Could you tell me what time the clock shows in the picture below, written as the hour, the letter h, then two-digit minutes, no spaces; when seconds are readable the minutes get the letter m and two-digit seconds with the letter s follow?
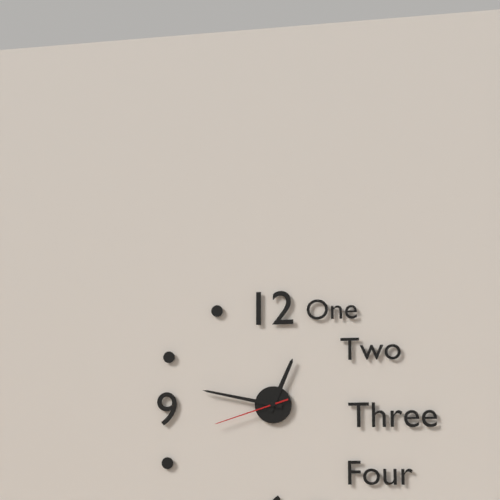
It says 12h47m42s
